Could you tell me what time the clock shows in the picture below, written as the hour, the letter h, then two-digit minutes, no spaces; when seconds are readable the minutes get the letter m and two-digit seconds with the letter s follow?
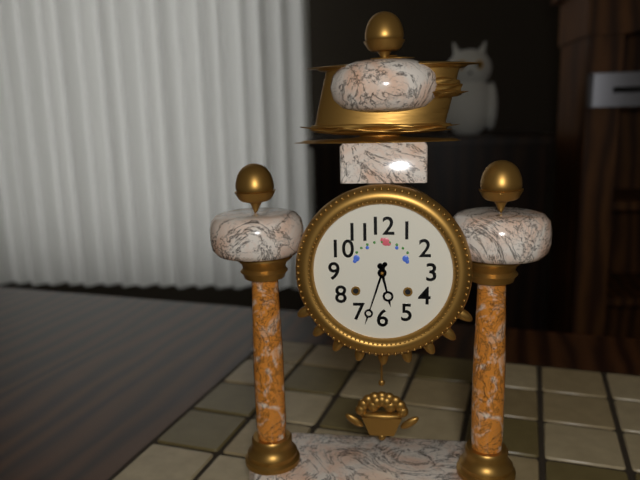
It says 5h33
